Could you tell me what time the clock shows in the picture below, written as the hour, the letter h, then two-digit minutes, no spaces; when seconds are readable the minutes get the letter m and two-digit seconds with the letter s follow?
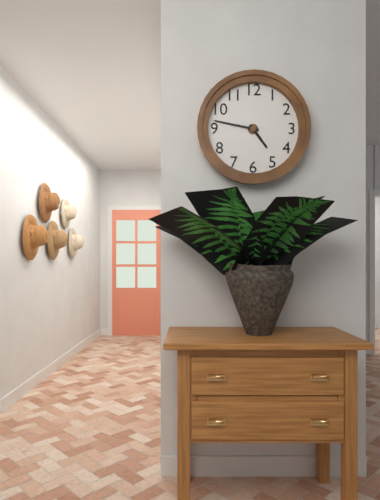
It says 4h47
